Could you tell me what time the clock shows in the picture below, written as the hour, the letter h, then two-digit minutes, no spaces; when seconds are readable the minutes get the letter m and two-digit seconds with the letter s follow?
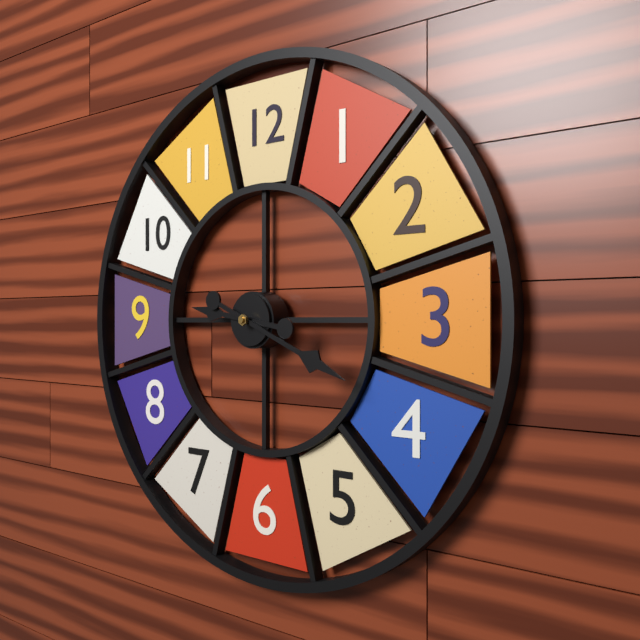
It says 9h19
